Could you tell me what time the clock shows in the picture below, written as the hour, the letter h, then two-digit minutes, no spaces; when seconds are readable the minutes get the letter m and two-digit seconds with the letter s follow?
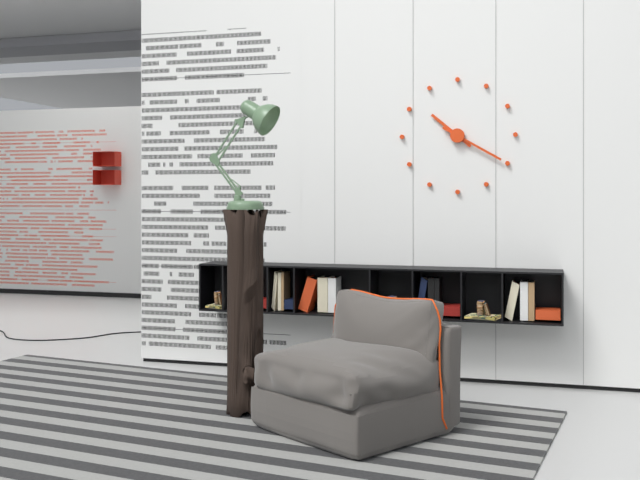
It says 10h20
